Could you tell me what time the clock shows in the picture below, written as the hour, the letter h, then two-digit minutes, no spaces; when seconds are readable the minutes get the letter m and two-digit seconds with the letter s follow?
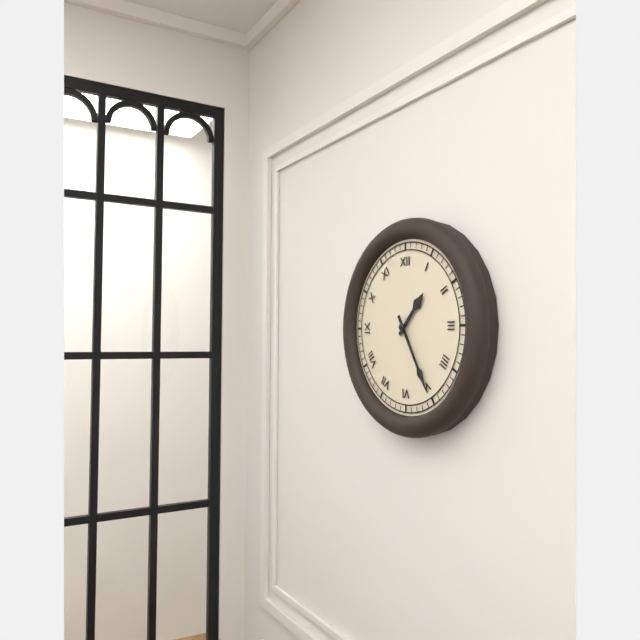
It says 1h25
